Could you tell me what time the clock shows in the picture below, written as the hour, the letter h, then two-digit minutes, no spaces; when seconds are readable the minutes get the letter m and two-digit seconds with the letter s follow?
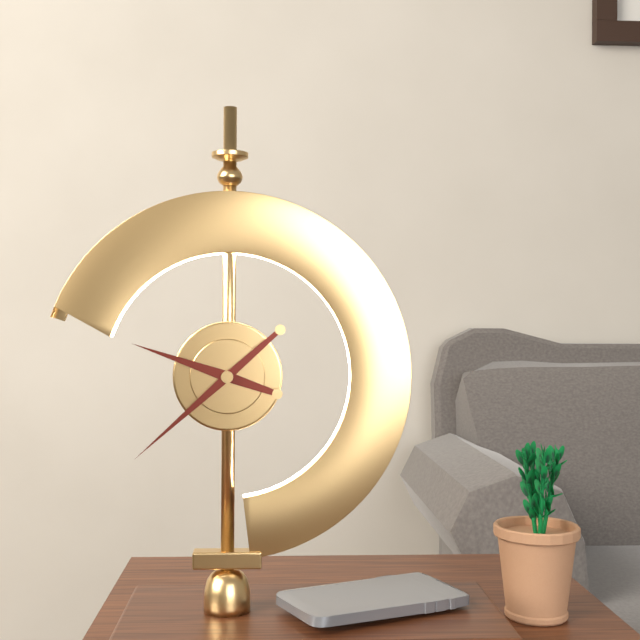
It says 9h38
